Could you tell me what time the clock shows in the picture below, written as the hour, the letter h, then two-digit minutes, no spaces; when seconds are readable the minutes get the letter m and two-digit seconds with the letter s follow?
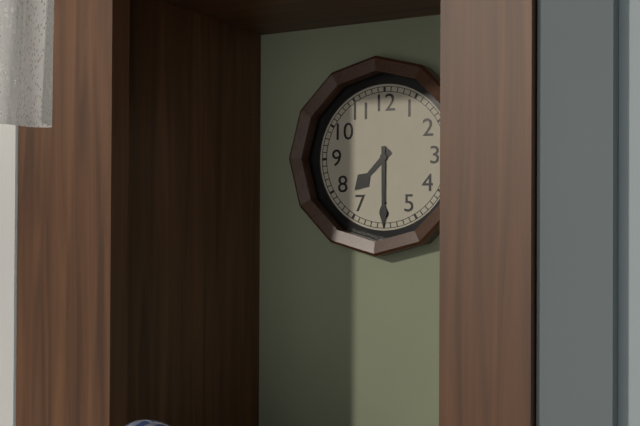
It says 7h30
